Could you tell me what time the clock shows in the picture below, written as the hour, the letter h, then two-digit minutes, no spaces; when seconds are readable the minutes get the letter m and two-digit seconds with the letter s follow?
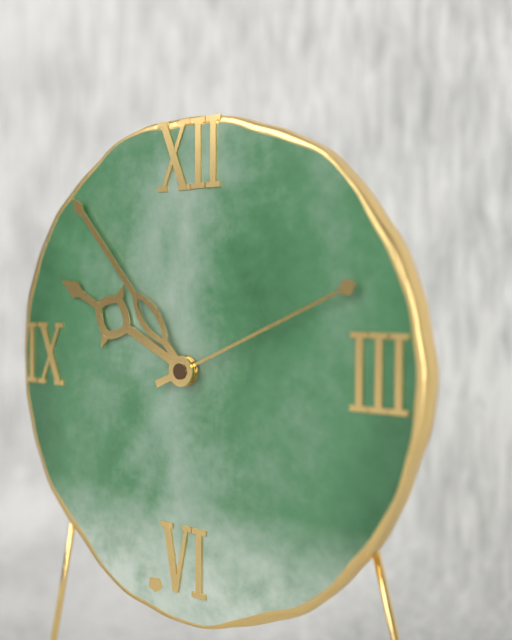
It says 9h53m11s
